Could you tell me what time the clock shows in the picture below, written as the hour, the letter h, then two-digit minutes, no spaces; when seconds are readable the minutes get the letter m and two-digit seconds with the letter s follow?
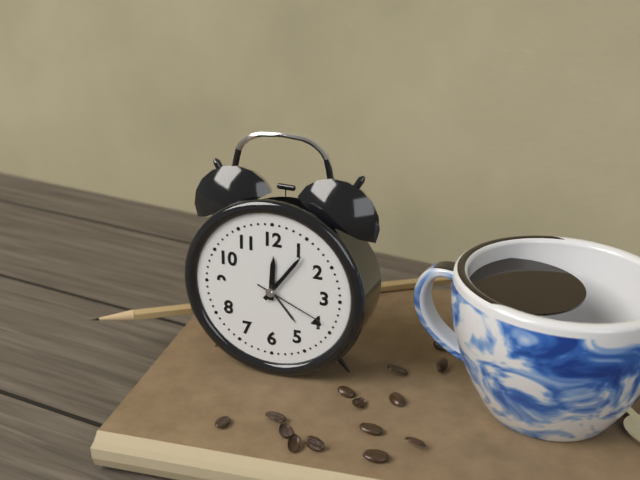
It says 12h06m19s
